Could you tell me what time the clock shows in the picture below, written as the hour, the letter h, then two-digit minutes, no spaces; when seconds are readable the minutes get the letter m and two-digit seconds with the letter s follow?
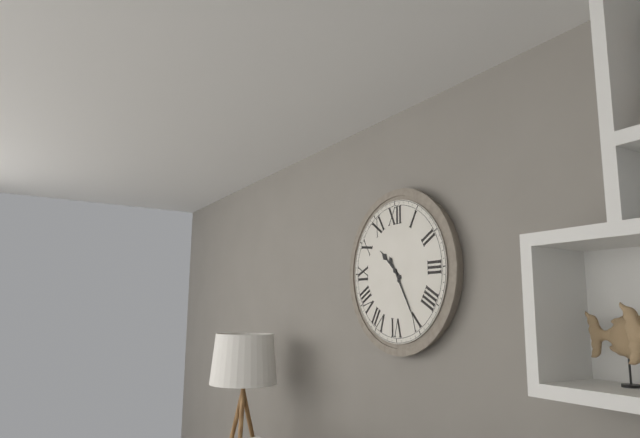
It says 10h25
